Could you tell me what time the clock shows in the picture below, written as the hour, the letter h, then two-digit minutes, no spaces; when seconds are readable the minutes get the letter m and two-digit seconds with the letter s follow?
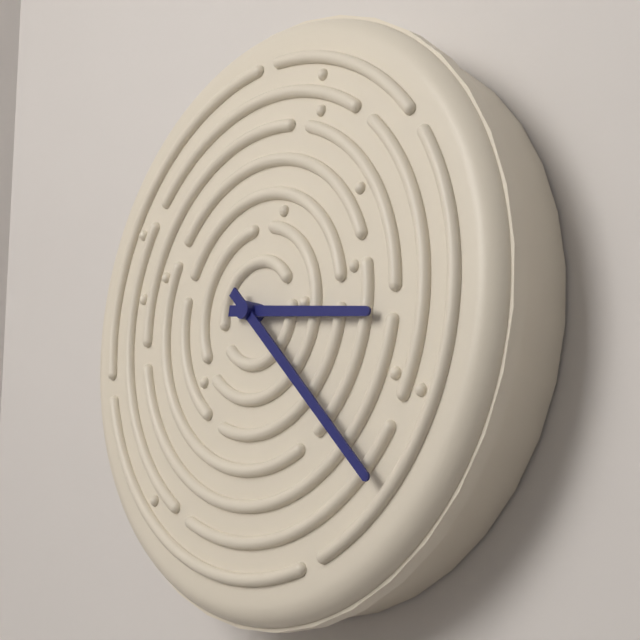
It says 3h23
